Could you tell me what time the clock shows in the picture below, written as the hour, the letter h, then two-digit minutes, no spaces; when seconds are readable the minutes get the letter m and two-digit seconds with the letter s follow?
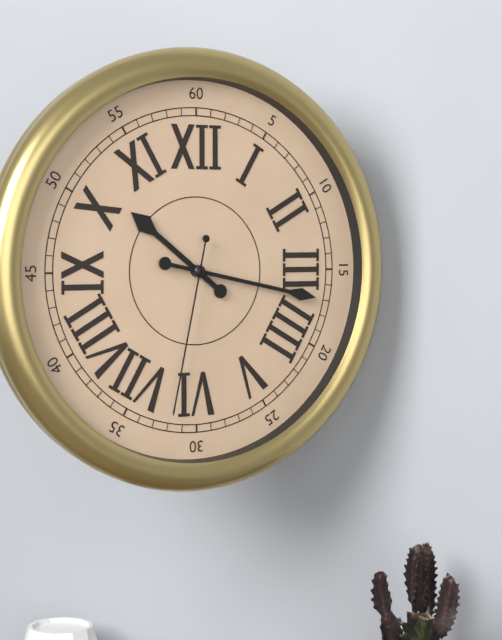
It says 10h17m32s
